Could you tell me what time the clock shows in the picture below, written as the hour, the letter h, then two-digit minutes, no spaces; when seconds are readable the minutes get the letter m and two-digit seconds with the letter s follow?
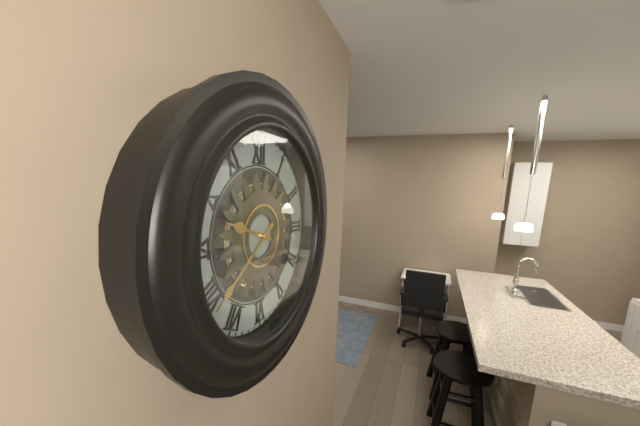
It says 9h39
